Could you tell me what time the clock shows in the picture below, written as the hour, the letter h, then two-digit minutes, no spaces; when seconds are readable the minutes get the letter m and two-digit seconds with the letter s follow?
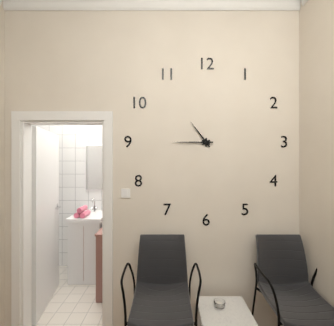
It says 10h45
